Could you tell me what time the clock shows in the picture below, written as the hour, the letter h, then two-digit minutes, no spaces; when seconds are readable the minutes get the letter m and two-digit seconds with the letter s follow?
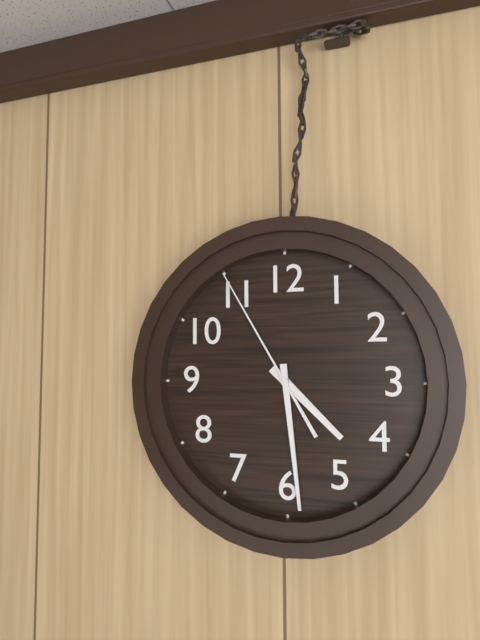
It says 4h29m55s
